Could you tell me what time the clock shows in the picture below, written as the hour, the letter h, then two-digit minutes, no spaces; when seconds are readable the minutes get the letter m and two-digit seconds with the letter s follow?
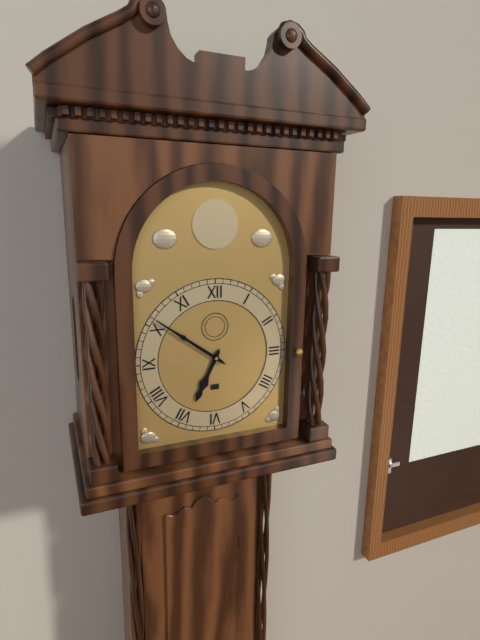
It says 6h51
